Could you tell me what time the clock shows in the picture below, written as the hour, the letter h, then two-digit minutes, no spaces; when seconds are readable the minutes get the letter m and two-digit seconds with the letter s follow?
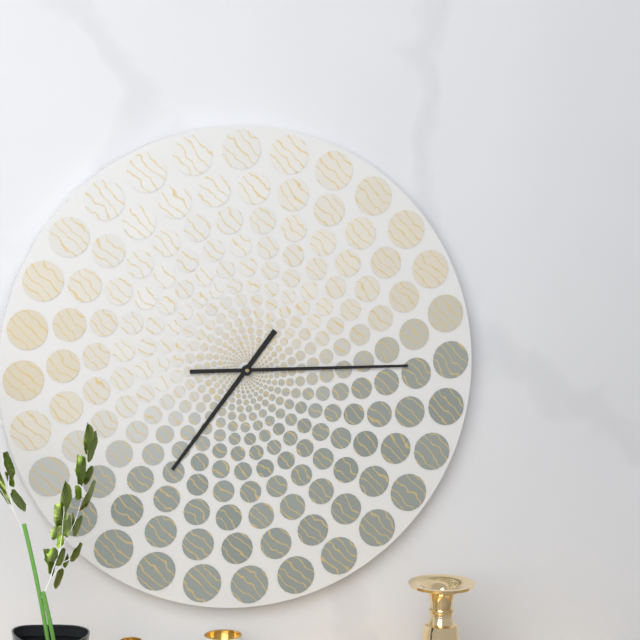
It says 7h15
